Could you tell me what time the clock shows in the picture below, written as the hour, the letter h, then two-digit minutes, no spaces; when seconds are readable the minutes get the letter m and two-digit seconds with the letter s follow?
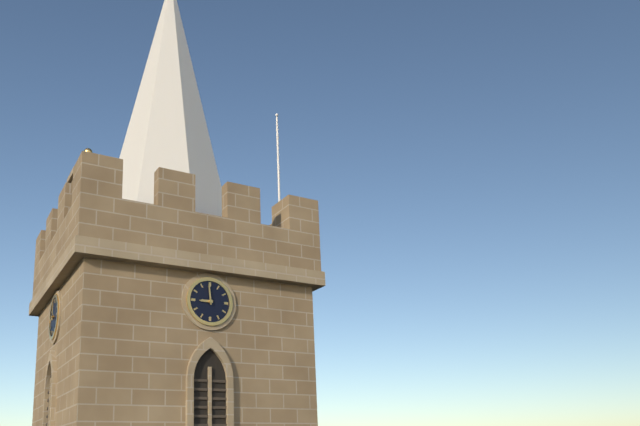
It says 8h59
